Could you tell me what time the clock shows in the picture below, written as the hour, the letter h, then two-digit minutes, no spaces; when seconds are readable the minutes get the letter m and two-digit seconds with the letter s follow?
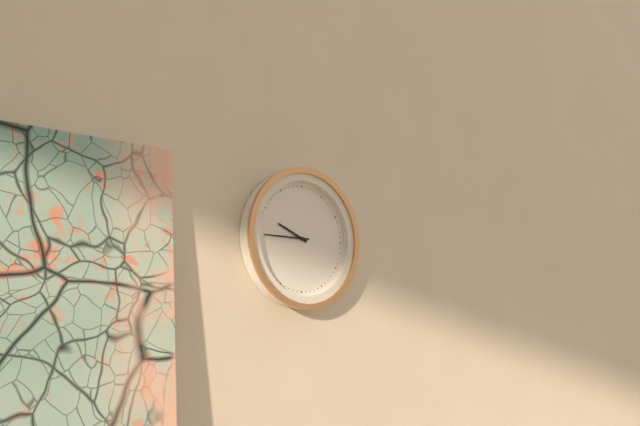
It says 9h45
